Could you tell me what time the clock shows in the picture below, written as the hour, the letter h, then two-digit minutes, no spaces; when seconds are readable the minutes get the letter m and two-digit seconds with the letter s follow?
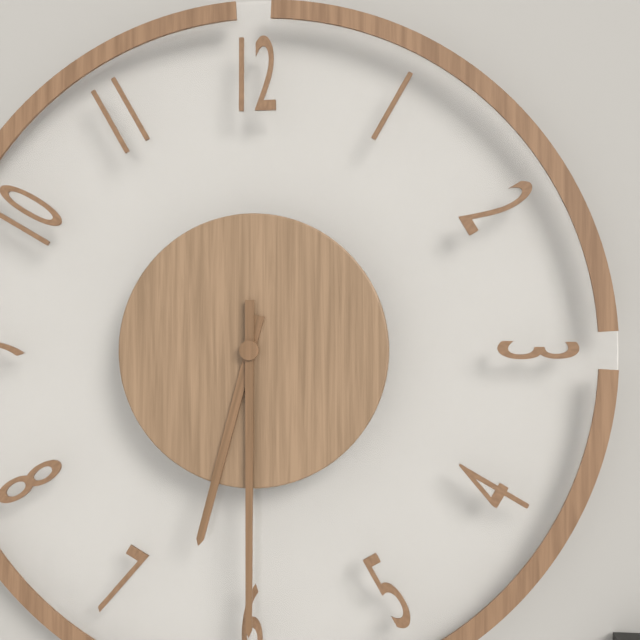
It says 6h30
